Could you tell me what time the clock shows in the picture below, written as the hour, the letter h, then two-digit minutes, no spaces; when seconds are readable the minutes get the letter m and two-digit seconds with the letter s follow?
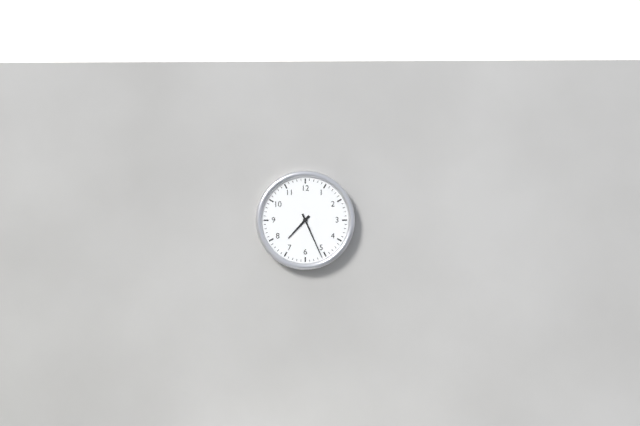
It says 7h26
